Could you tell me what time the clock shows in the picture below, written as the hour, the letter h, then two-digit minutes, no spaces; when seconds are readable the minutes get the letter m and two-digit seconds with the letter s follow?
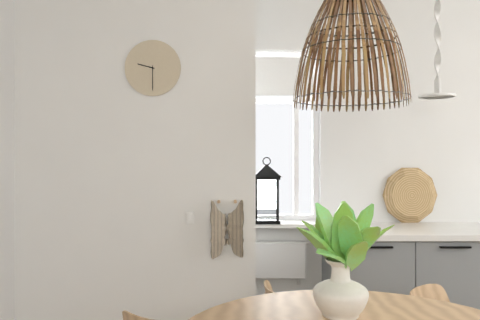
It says 9h30
